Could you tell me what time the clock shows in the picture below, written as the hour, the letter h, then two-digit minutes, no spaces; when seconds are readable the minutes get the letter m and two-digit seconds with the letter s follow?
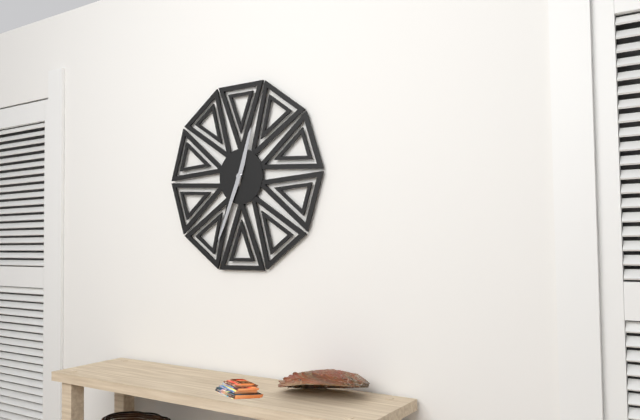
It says 12h34
